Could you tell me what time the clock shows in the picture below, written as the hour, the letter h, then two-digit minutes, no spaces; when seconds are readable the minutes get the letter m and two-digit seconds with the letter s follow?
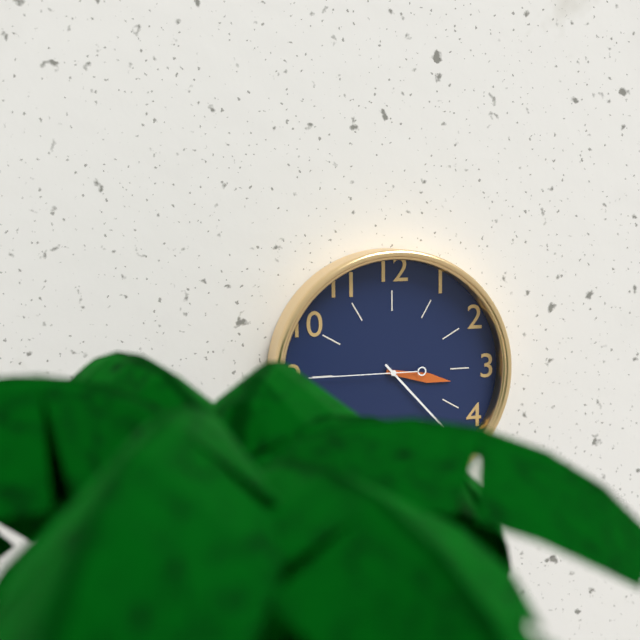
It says 3h23m45s
